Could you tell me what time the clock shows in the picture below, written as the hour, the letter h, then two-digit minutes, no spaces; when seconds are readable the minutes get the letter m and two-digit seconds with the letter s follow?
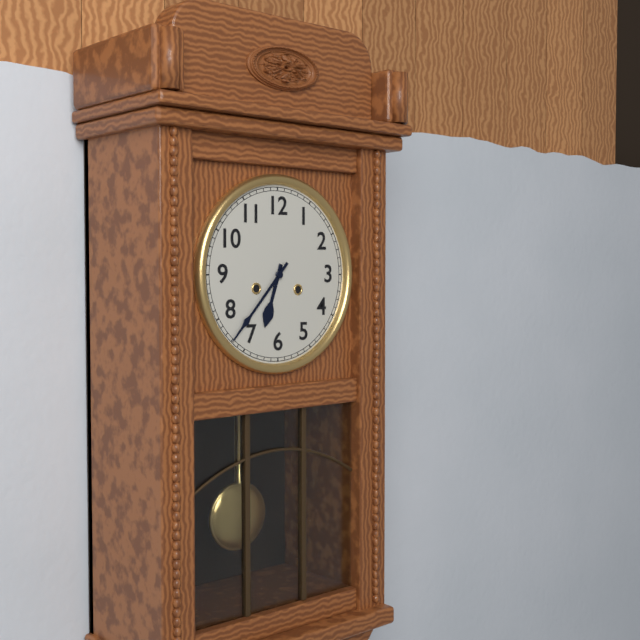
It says 6h37
